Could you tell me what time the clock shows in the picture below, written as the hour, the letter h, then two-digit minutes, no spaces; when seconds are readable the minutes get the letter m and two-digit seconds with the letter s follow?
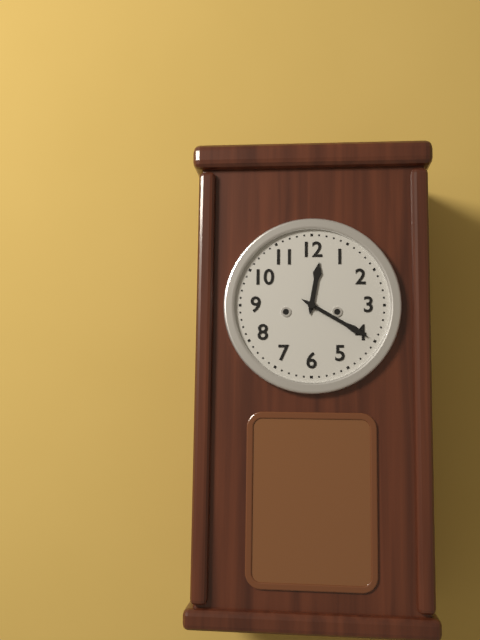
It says 12h20
